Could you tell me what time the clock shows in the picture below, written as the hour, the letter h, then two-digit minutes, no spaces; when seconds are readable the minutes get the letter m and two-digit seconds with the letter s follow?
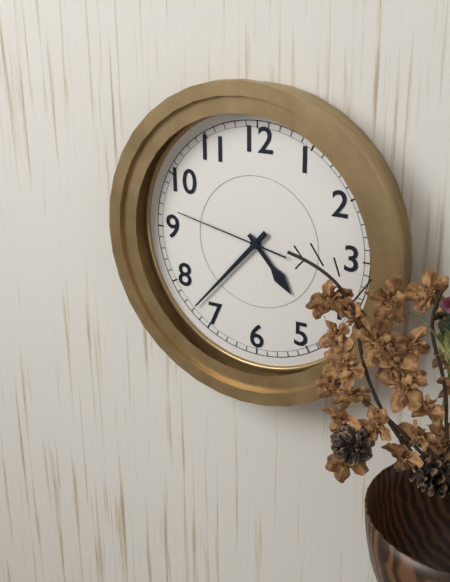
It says 4h37m47s
